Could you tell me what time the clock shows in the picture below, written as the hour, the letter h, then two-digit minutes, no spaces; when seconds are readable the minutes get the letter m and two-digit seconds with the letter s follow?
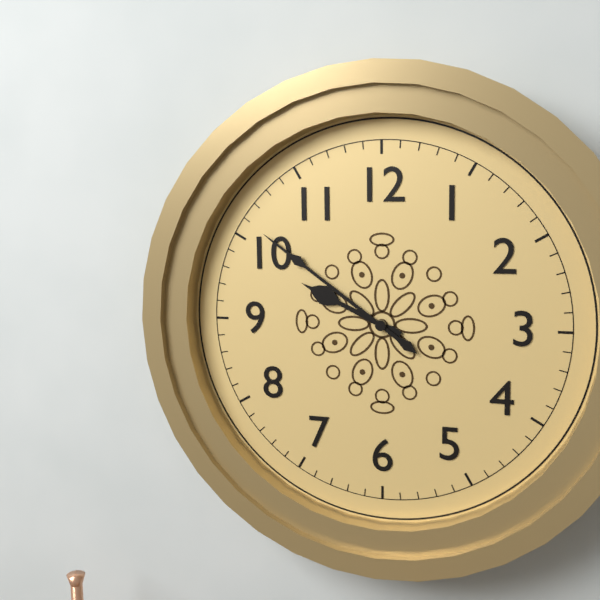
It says 9h51
